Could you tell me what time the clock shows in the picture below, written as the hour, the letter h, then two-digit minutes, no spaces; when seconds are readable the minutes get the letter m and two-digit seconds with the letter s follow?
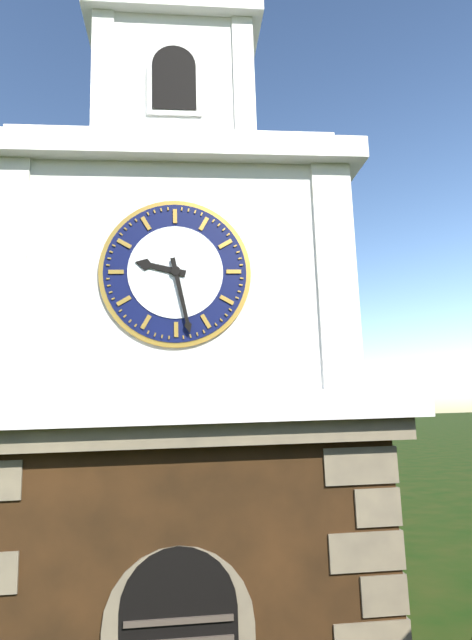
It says 9h28
